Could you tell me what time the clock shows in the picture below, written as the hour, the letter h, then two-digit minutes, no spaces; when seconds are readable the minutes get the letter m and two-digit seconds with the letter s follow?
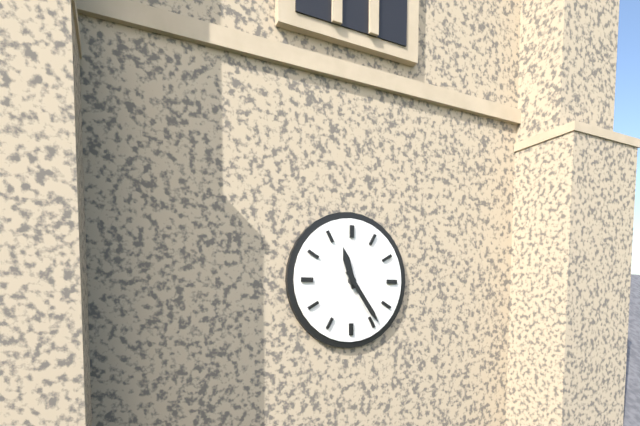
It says 11h24
